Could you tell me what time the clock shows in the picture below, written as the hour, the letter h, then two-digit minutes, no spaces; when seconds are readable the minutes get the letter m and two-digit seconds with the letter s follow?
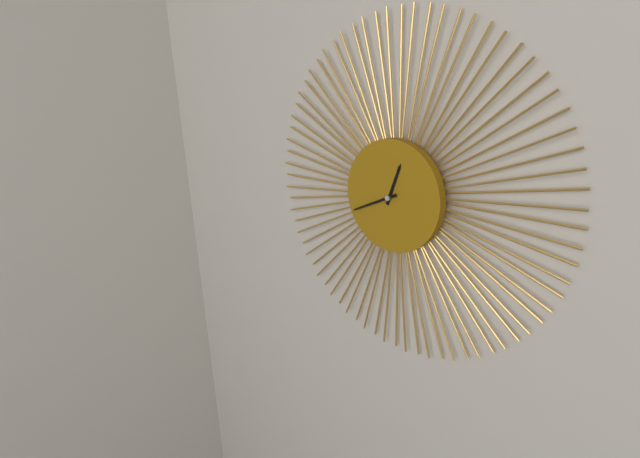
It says 12h41
